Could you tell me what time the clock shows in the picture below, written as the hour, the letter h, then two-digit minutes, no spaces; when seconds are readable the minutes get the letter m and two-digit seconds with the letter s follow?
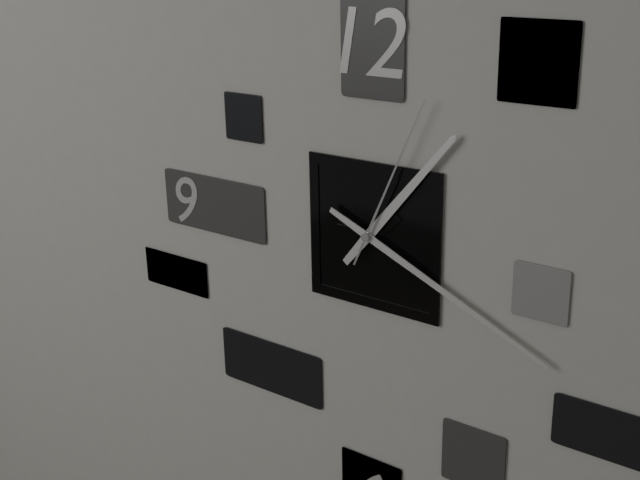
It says 1h19m04s
